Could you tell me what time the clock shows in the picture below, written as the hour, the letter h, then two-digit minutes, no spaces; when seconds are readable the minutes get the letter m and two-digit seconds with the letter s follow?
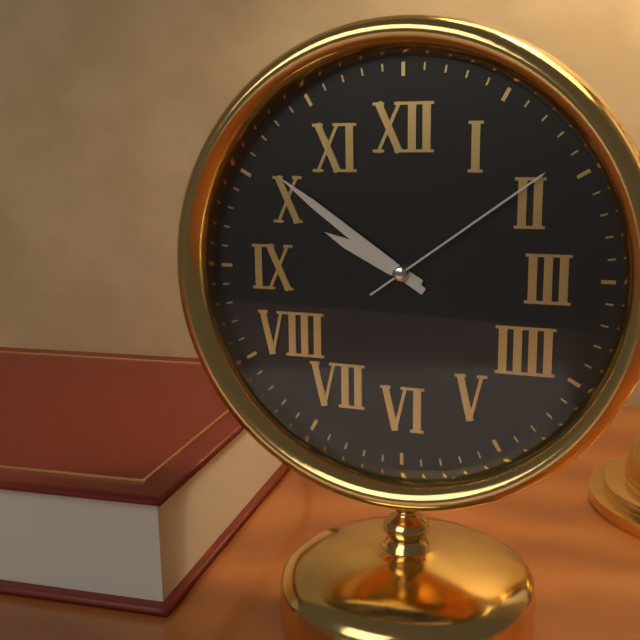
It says 9h51m09s
